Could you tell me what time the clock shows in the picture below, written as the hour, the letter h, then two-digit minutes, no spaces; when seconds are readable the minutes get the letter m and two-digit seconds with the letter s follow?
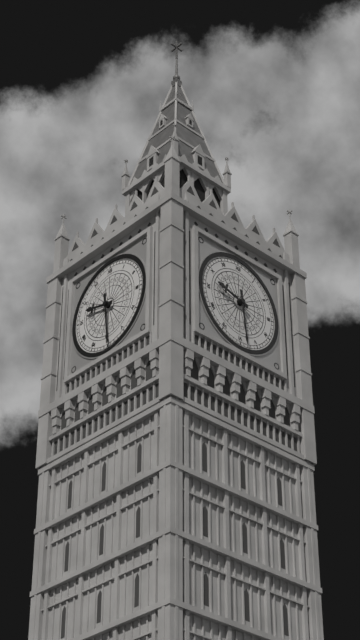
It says 9h29
